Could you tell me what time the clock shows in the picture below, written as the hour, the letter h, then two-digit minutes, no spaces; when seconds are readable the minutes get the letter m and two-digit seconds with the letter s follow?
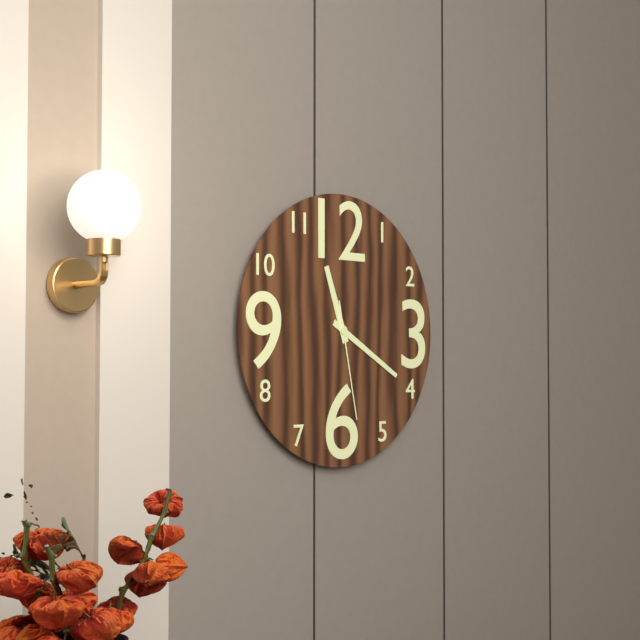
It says 11h20m28s
